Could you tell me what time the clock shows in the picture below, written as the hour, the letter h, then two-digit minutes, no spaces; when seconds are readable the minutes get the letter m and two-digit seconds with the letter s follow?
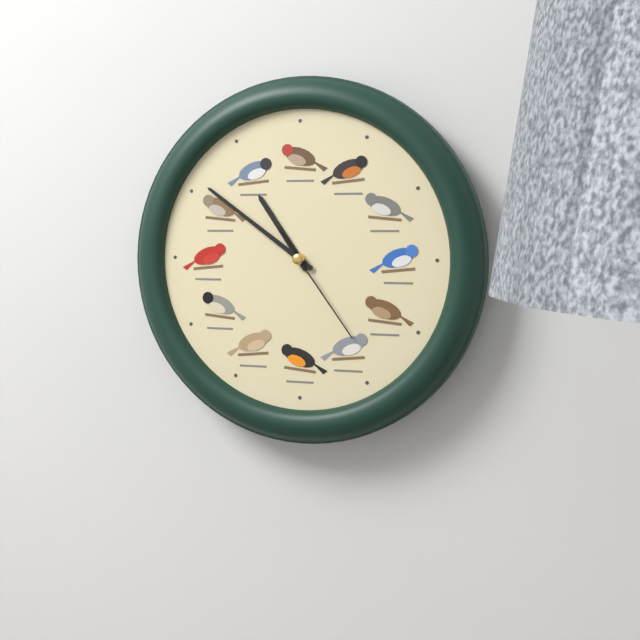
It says 10h51m24s
